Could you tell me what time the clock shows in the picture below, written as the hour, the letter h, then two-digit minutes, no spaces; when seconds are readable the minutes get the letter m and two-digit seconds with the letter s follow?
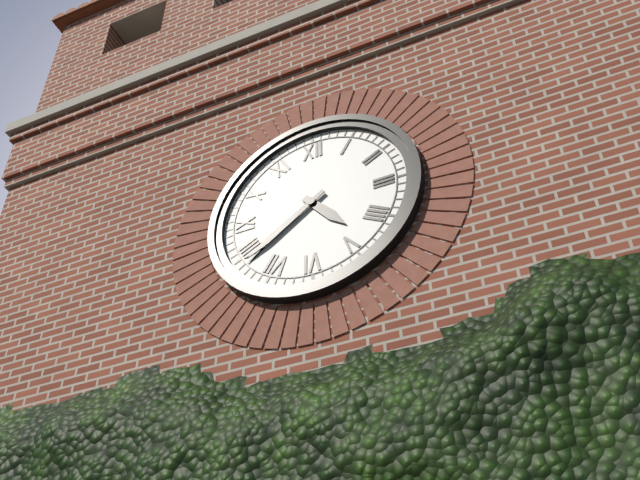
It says 4h39
